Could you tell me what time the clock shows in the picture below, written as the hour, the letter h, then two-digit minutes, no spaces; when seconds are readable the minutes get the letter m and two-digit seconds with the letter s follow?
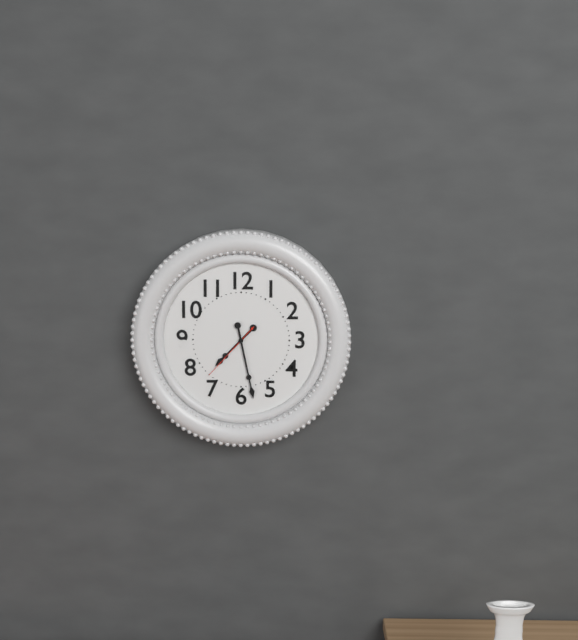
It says 7h28m37s
